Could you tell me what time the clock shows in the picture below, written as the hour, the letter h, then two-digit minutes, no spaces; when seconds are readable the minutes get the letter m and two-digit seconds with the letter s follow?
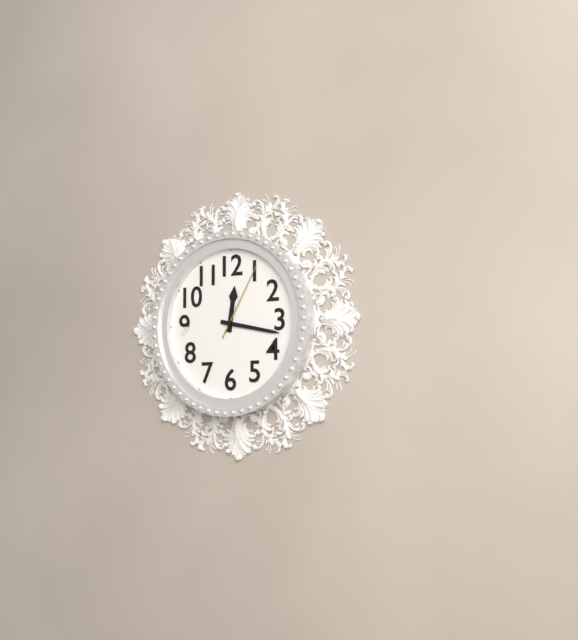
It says 12h17m05s
